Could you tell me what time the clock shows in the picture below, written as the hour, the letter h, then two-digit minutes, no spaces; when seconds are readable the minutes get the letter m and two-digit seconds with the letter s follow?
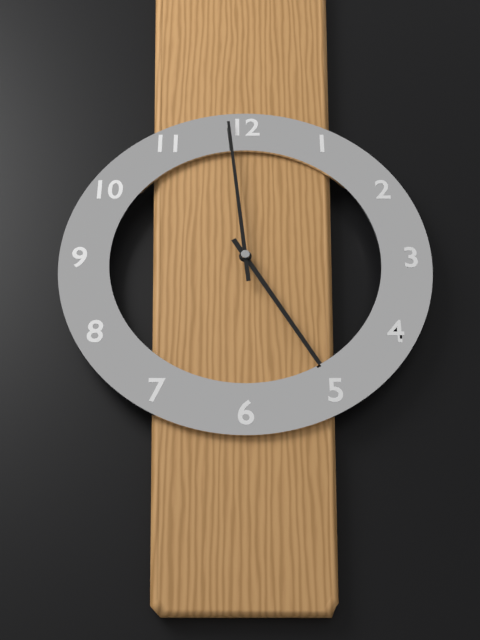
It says 4h59
